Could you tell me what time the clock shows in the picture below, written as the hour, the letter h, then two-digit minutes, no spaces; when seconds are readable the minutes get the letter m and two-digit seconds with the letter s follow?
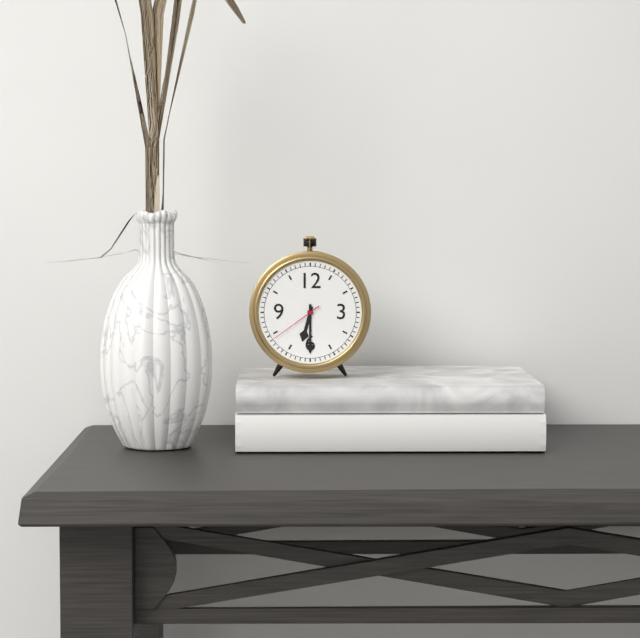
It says 6h30m39s
